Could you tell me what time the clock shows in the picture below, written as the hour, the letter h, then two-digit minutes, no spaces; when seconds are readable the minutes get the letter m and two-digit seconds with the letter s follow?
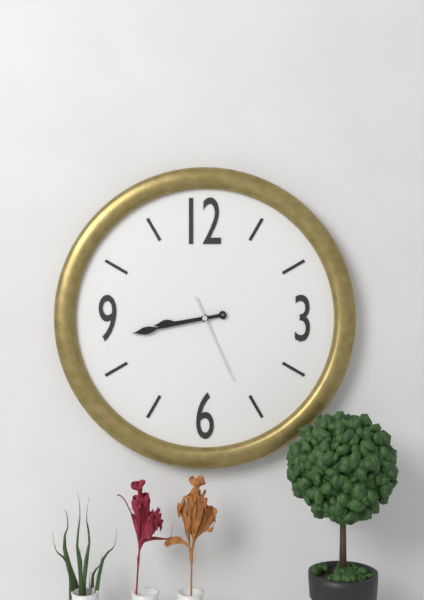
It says 8h43m26s
